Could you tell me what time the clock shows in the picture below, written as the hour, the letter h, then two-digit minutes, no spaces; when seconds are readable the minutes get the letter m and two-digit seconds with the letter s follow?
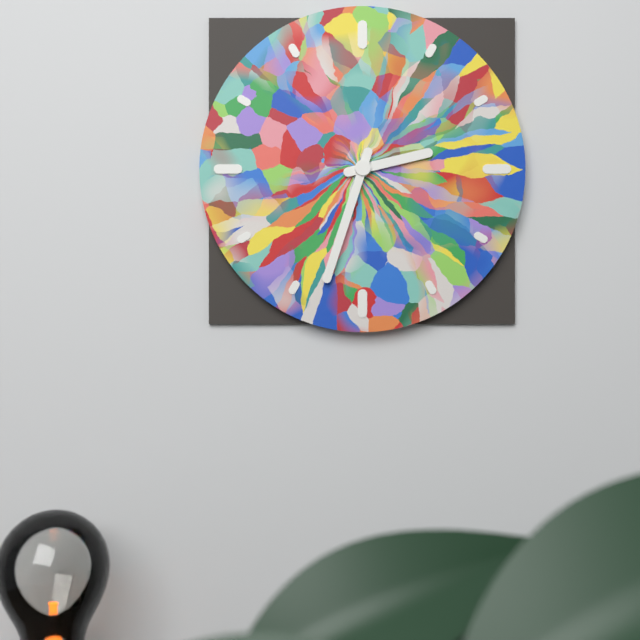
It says 2h33
